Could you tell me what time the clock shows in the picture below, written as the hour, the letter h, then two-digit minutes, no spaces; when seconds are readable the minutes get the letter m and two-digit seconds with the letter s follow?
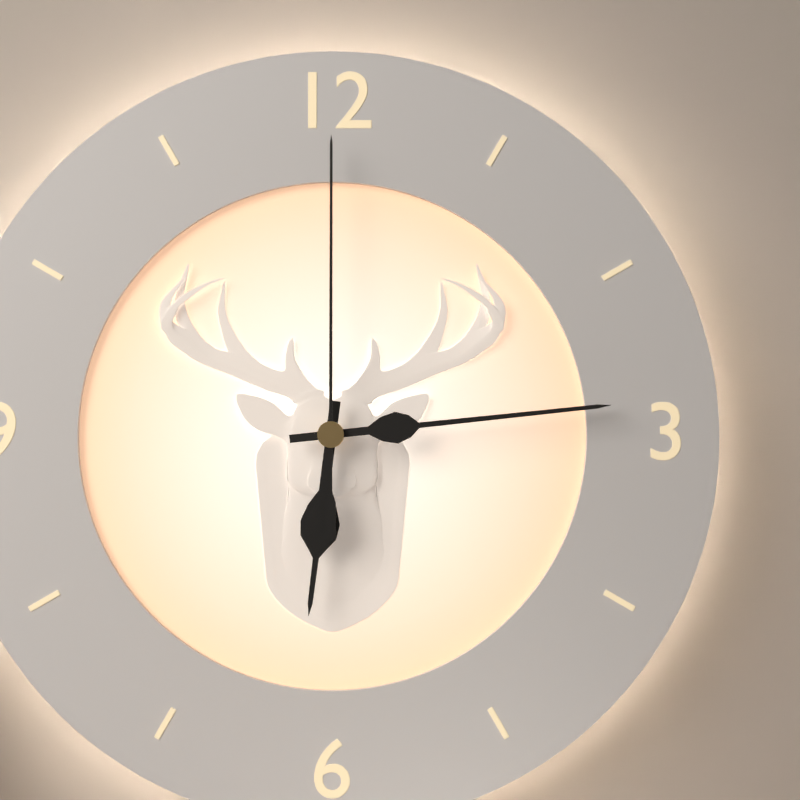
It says 6h14m00s
